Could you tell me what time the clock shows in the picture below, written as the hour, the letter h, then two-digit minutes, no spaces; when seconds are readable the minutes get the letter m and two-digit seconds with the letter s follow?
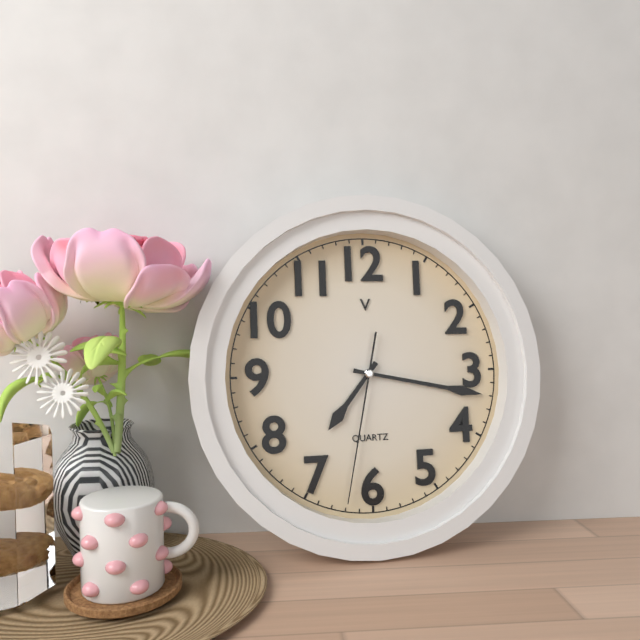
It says 7h17m32s
